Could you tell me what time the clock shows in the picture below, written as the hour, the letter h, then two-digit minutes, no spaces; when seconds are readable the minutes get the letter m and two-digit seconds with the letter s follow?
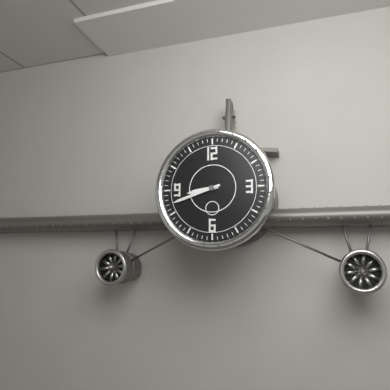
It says 8h42
